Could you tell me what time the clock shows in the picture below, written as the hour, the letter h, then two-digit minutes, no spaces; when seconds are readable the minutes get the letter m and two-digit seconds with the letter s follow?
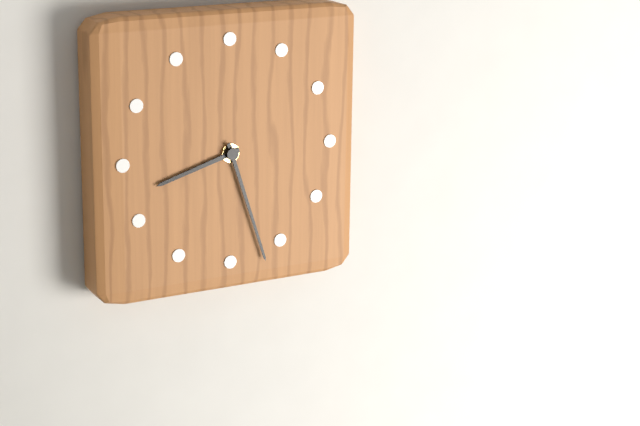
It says 8h27
